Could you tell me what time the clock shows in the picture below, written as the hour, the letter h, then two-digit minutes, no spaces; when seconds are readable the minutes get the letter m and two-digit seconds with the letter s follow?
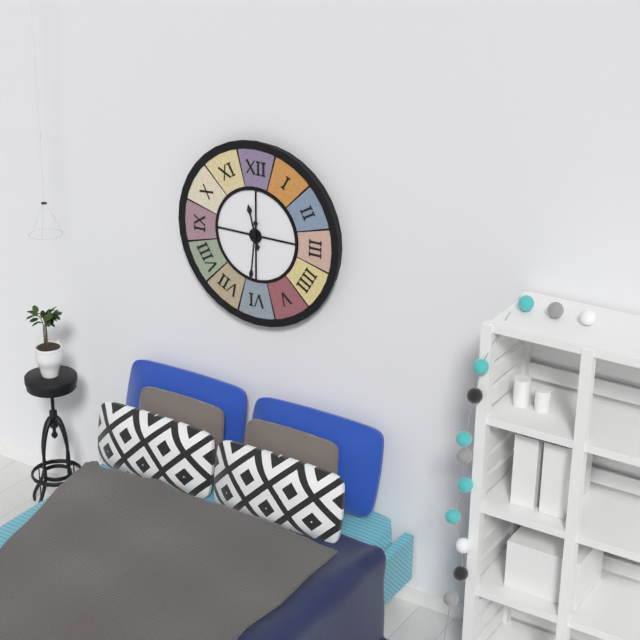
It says 11h31
